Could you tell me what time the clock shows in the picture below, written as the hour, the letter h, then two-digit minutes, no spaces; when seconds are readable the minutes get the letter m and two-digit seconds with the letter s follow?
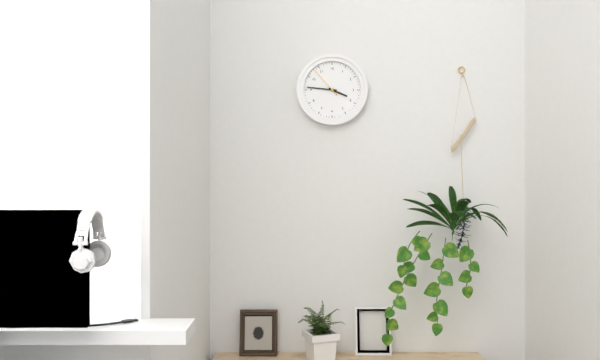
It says 3h46
